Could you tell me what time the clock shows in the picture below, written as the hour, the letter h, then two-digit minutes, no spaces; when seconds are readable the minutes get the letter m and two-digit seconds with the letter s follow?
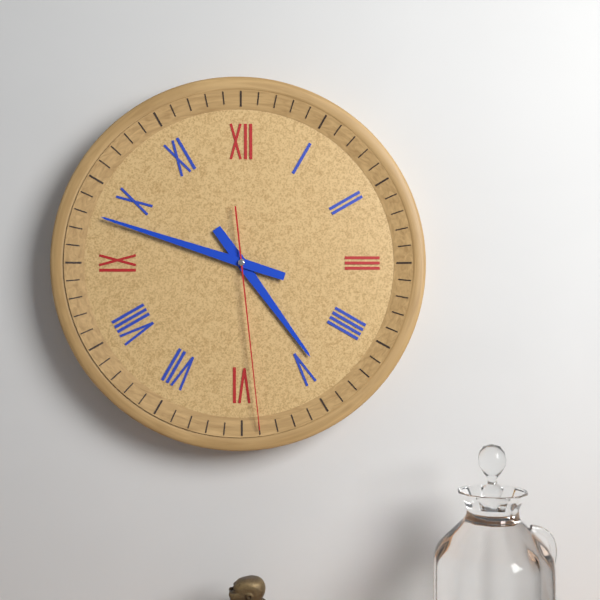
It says 4h48m29s
